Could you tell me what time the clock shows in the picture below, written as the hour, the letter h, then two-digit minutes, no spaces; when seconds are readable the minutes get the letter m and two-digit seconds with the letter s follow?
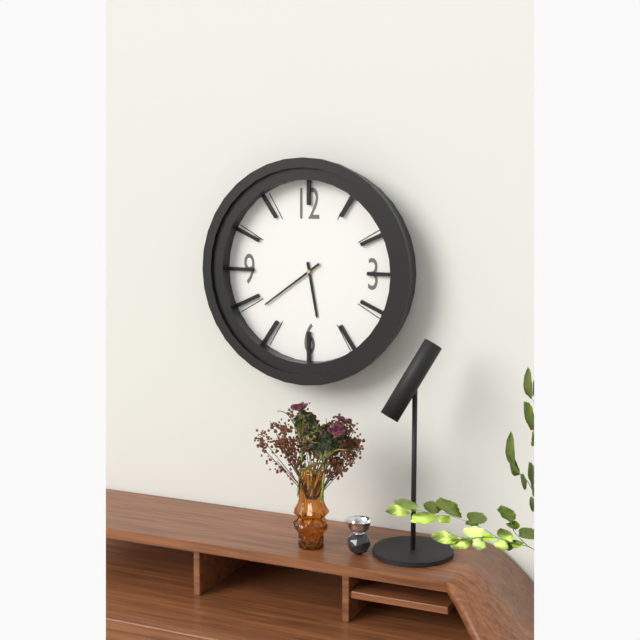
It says 5h39
